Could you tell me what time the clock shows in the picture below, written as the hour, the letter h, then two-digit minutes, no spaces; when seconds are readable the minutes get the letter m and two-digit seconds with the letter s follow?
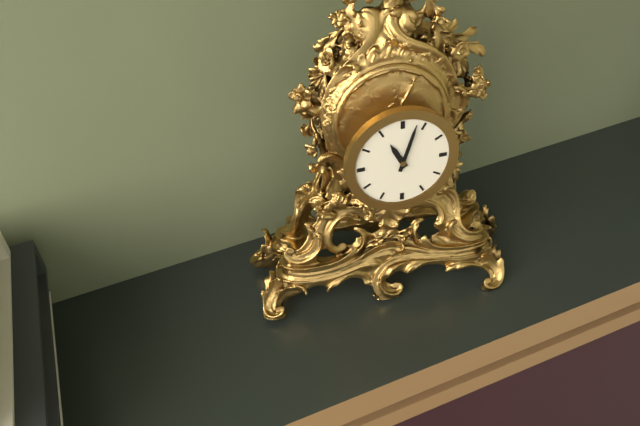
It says 11h03
